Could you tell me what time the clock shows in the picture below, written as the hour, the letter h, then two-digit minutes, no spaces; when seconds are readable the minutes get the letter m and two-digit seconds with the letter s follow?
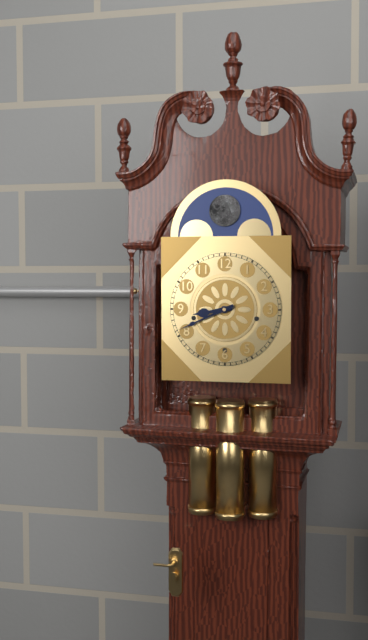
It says 8h41
